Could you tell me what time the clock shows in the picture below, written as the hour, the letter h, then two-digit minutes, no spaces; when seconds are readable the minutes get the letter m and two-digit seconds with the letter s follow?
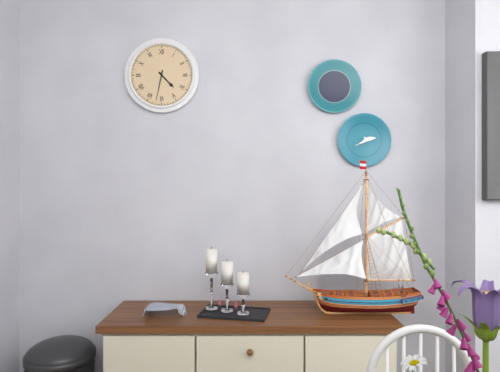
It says 4h32
